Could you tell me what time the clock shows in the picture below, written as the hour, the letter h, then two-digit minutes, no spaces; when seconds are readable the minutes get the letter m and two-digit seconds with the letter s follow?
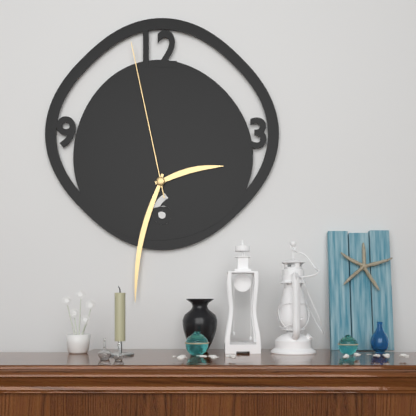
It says 2h32m58s
